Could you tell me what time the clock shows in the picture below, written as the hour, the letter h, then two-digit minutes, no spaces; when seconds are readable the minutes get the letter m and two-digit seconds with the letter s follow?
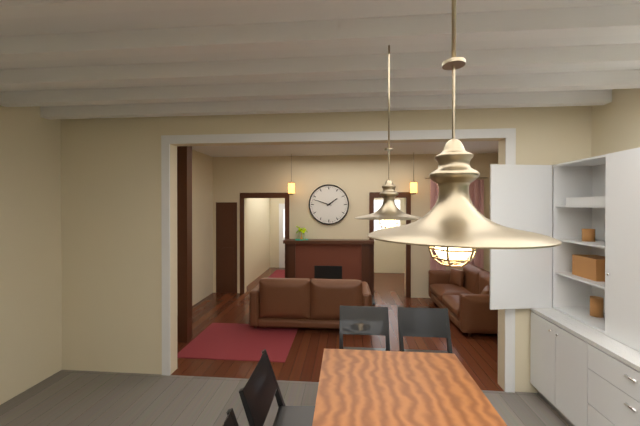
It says 1h48
